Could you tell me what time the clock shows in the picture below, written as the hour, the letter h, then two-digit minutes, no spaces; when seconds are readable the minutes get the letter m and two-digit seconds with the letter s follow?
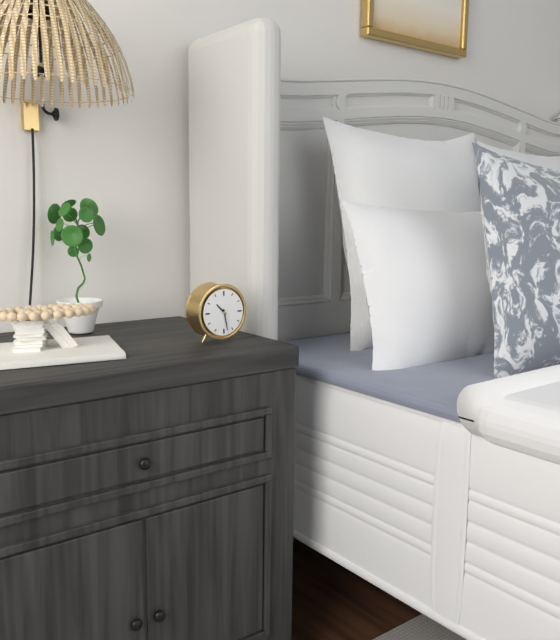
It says 10h28
